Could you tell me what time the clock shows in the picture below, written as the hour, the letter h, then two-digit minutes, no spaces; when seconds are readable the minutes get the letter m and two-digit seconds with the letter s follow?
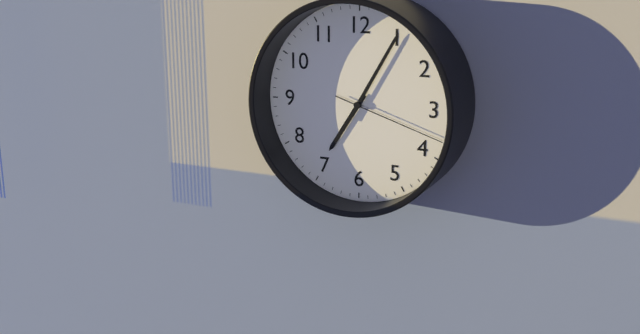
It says 7h05m18s
